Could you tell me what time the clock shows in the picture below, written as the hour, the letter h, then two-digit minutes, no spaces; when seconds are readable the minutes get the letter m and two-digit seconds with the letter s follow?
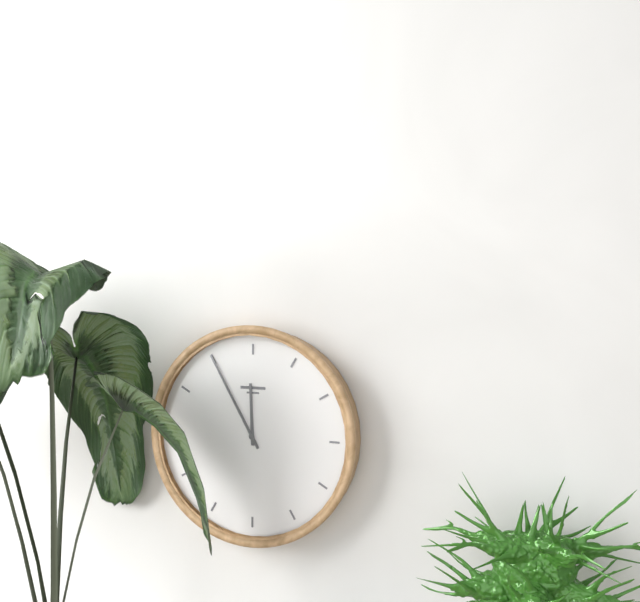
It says 11h55
